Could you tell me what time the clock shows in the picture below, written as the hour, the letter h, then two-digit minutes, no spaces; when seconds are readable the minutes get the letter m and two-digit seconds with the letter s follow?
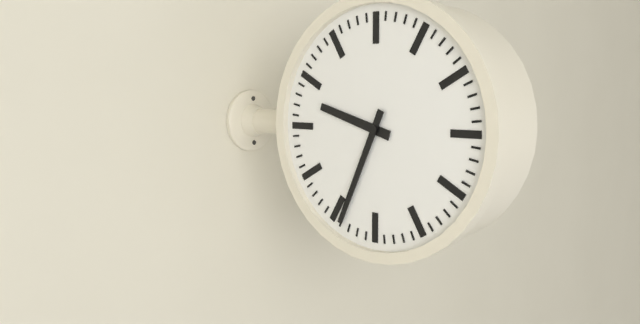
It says 9h34
